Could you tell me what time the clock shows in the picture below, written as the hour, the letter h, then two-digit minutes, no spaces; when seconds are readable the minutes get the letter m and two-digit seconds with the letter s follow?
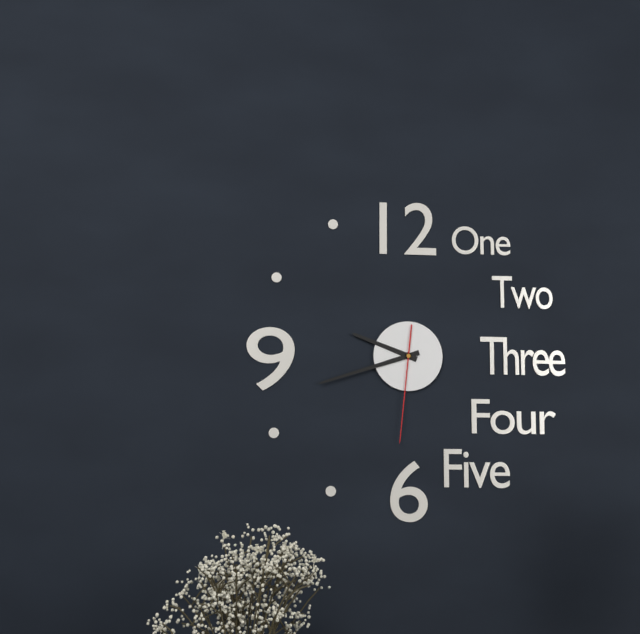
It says 9h42m31s
